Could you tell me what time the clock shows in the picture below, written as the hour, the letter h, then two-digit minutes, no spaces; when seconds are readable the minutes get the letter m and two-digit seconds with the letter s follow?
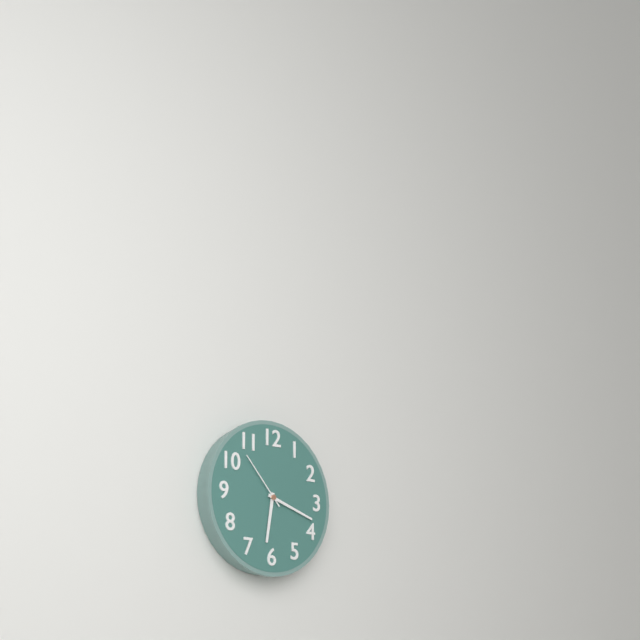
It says 6h18m53s
